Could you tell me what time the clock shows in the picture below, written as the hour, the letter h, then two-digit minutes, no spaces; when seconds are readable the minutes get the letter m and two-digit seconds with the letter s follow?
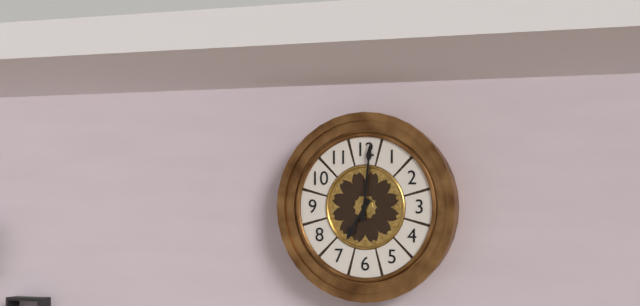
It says 7h01
